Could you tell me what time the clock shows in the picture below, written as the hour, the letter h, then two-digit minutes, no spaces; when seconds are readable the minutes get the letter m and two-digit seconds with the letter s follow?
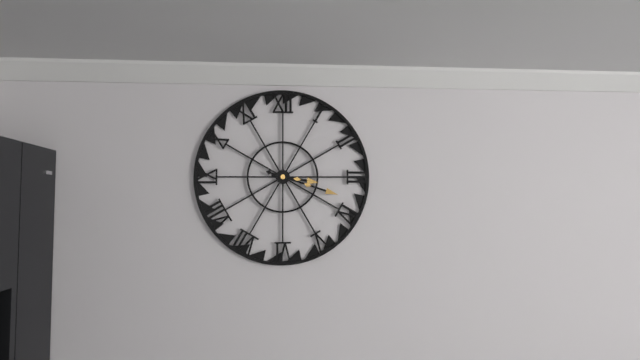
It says 3h18
